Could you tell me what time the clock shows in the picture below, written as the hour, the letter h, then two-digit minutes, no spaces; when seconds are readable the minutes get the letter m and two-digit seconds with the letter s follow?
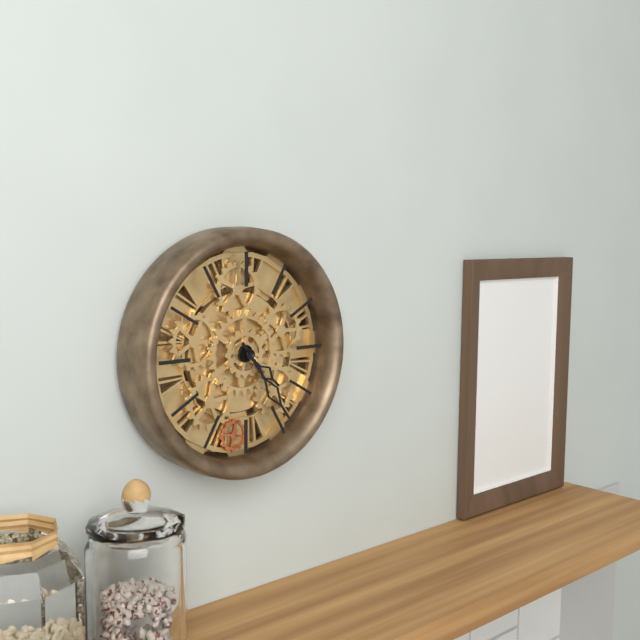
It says 4h24
